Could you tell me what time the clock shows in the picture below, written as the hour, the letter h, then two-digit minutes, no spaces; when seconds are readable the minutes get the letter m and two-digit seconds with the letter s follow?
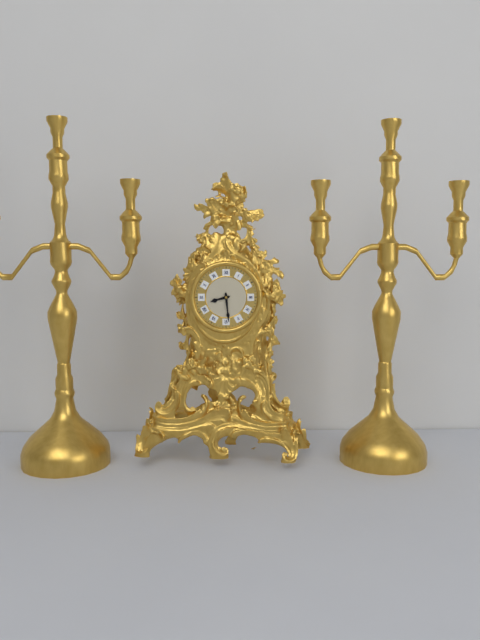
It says 8h29
